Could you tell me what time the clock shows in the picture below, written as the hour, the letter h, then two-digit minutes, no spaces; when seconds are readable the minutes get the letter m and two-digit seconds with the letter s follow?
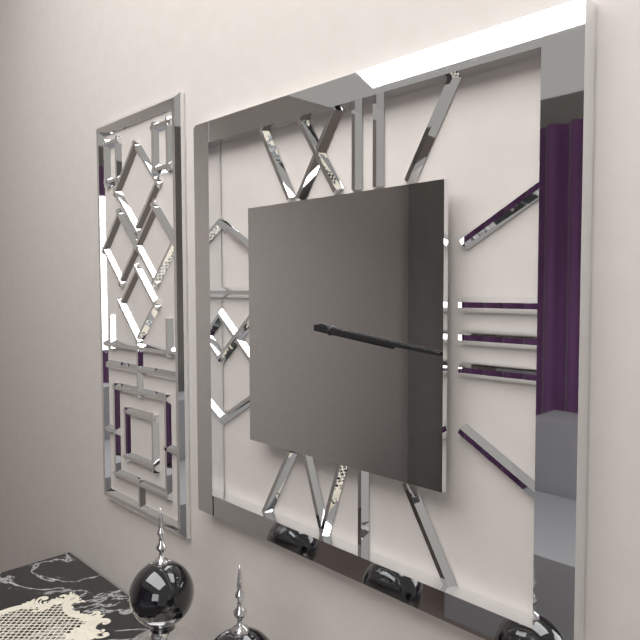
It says 3h16
